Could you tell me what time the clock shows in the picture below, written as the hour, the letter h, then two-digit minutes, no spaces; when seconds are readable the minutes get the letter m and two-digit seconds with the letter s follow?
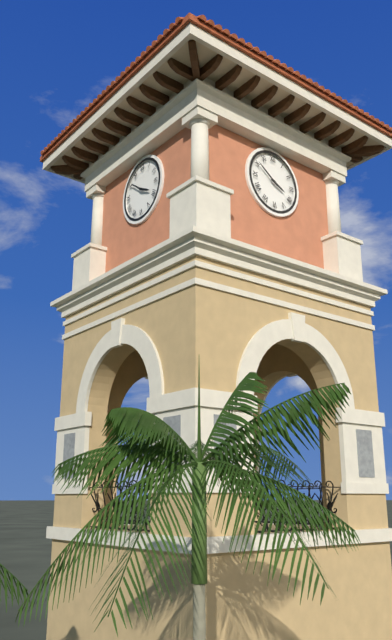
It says 3h51
